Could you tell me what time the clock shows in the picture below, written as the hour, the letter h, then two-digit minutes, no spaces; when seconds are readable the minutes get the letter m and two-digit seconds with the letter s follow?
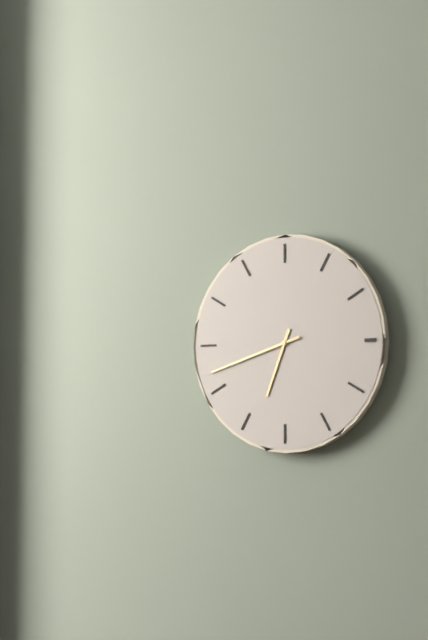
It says 6h42
